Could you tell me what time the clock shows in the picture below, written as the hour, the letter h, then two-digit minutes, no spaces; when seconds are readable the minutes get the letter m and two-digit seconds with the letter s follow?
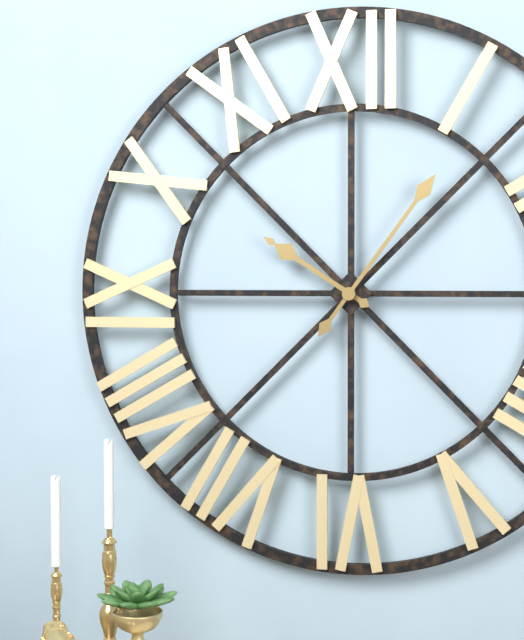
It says 10h06
